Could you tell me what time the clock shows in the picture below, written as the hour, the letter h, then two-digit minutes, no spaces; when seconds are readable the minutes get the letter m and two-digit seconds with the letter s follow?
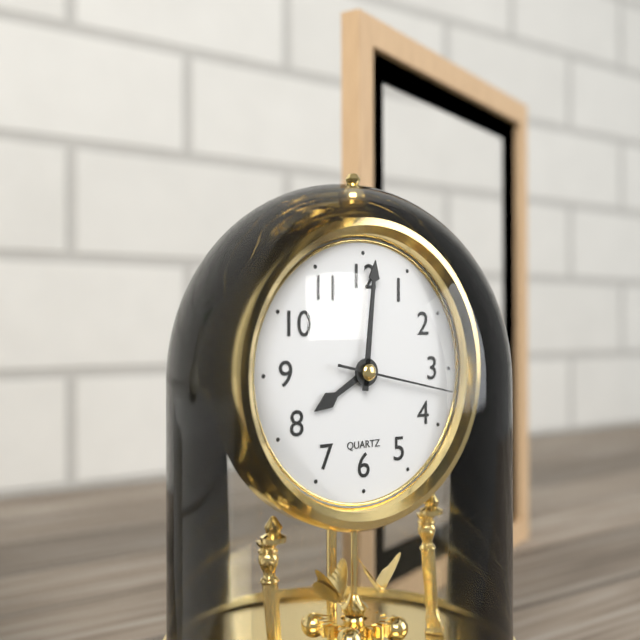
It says 8h01m17s
